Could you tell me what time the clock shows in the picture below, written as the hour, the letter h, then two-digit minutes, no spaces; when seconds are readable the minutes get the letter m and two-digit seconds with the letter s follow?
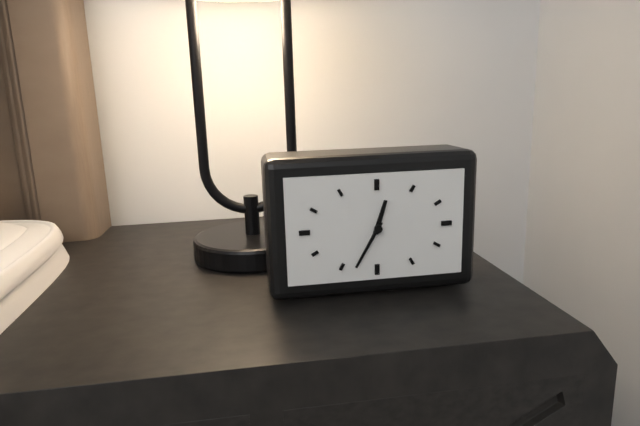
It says 12h35
